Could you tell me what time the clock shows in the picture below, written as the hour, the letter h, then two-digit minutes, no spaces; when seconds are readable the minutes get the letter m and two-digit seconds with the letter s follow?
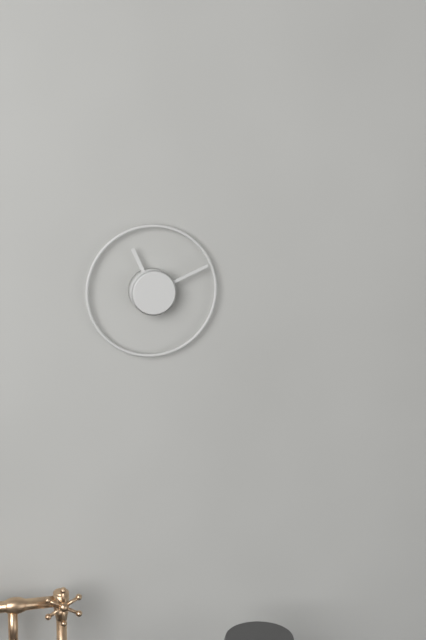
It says 11h11
